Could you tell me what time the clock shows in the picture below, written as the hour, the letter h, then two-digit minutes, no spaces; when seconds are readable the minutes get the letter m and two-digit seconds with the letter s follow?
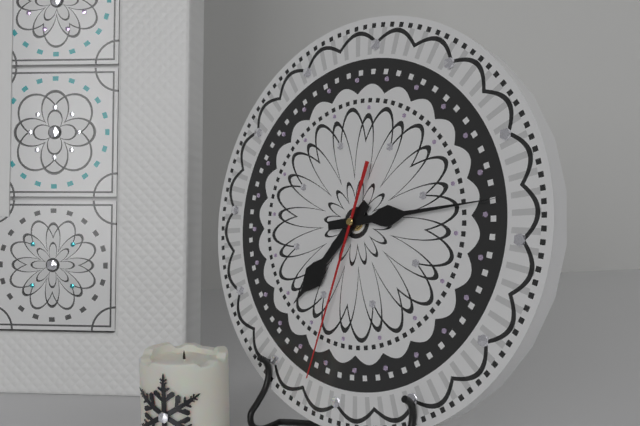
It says 7h13m32s
